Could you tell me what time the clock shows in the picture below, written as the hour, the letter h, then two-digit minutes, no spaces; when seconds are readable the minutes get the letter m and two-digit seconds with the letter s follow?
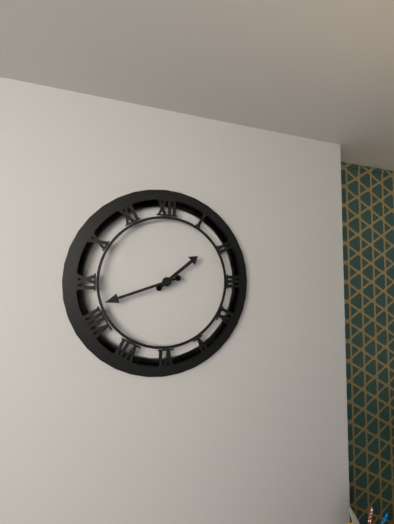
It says 1h42
